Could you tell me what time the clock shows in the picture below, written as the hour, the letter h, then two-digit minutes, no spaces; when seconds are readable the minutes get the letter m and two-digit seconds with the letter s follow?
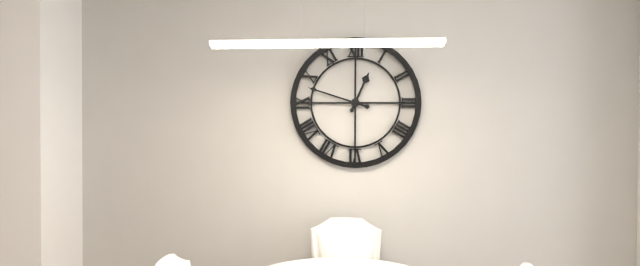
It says 12h48
